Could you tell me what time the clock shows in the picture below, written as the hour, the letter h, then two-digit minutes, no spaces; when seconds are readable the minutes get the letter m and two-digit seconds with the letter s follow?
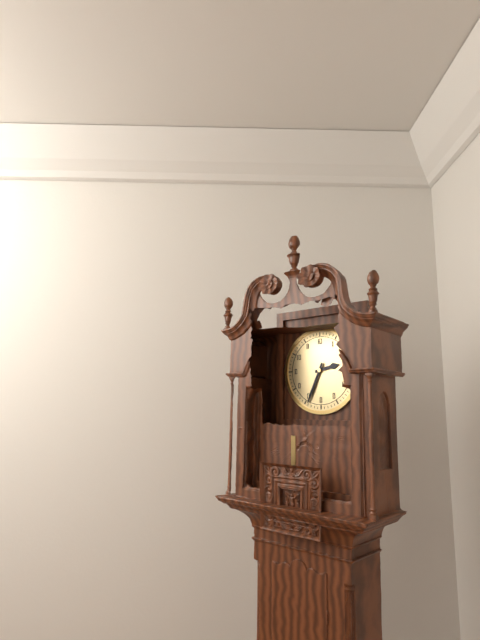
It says 2h34
